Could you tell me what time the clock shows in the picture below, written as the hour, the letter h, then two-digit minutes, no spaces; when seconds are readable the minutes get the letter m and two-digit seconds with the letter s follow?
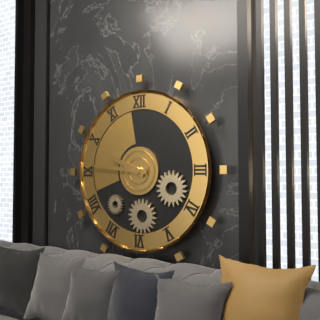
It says 9h46
